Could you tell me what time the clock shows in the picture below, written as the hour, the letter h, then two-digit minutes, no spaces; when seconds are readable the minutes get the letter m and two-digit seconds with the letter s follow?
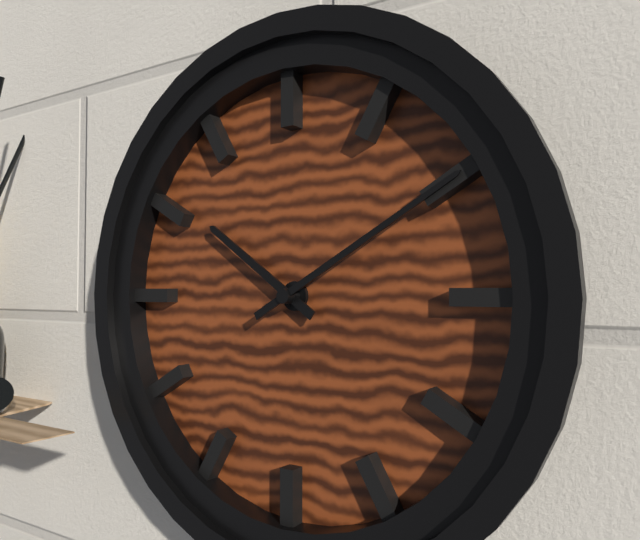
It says 10h10
